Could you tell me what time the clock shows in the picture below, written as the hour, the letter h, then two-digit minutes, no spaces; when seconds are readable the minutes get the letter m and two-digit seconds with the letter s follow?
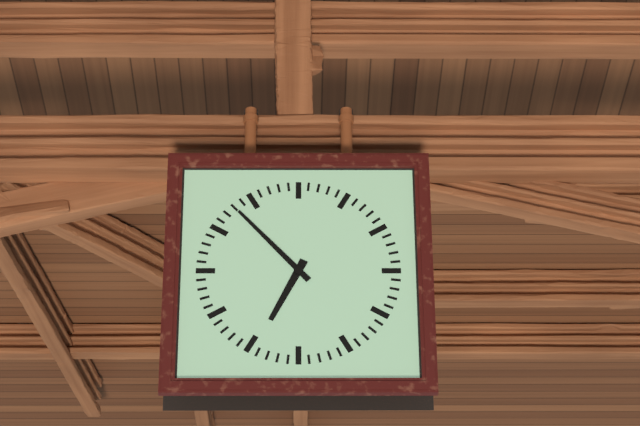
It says 6h53
